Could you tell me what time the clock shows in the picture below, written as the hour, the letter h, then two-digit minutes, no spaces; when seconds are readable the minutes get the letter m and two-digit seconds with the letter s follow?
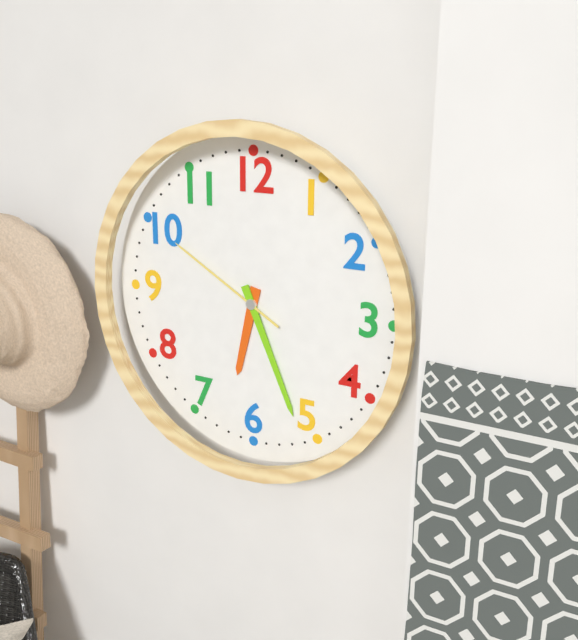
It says 6h26m50s
